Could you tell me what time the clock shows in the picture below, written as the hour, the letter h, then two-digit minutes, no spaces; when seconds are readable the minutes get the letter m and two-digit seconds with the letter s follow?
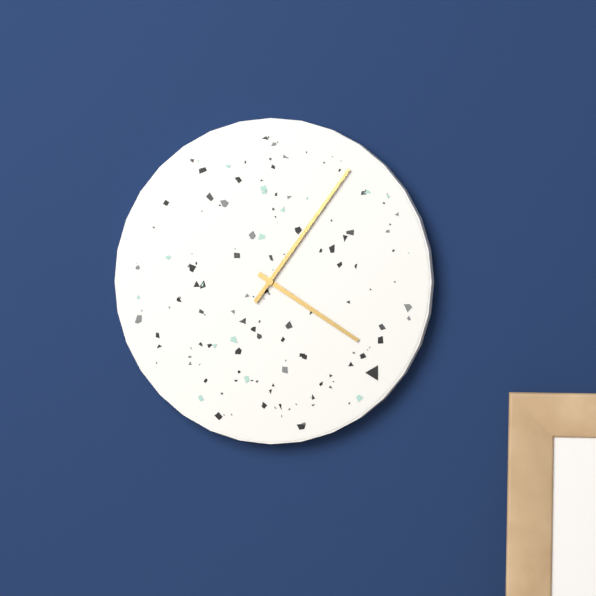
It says 4h06
